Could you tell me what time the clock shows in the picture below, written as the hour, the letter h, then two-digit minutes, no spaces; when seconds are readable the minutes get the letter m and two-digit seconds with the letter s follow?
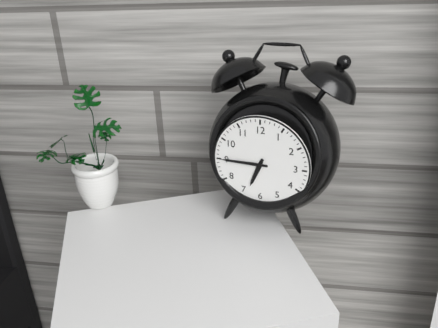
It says 6h45
